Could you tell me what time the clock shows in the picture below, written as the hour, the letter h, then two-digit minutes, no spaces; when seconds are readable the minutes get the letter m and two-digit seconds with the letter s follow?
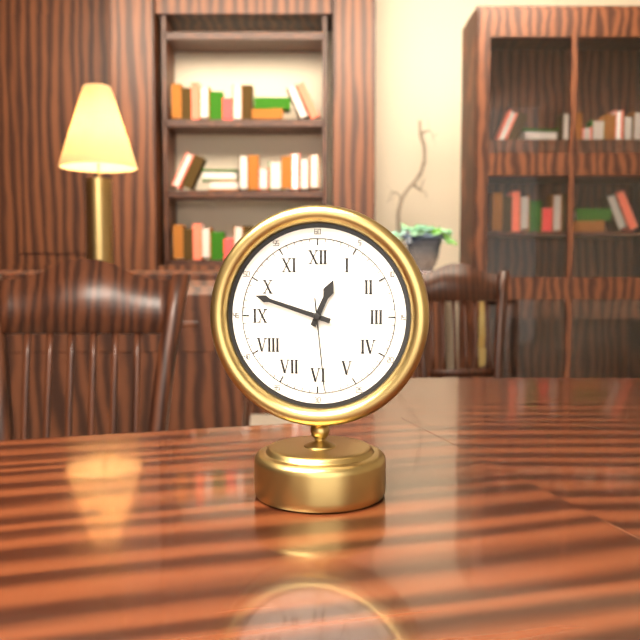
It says 12h48m29s
